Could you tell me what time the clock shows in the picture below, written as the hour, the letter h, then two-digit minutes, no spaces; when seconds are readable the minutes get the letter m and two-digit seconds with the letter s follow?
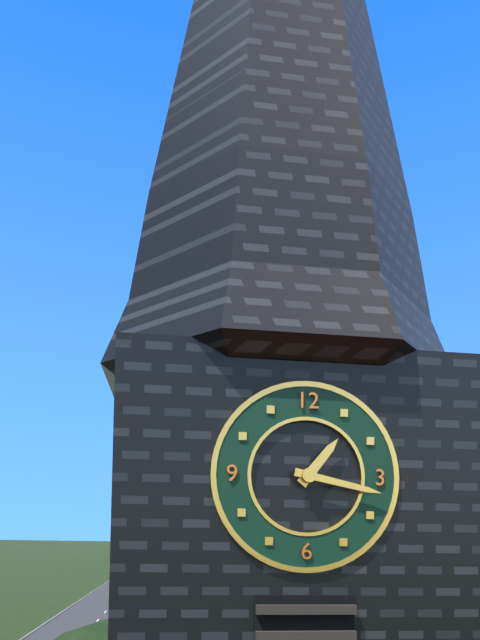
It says 1h17
